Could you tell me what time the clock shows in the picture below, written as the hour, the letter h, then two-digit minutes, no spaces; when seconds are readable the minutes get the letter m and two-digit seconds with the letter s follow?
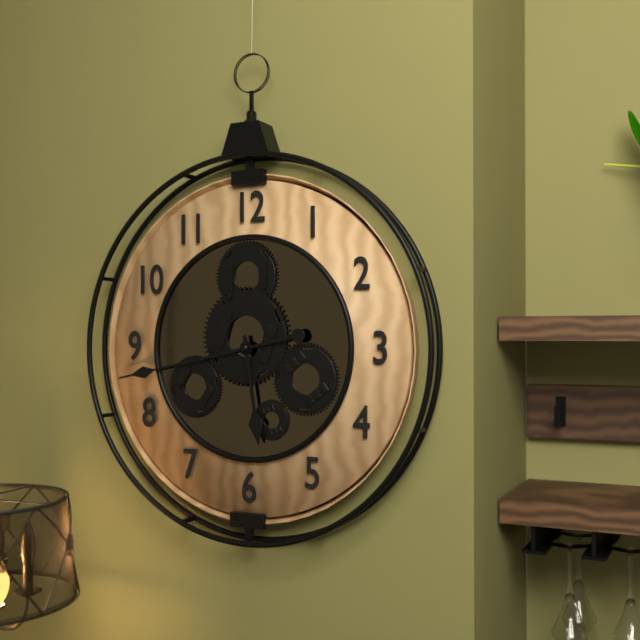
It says 5h43
